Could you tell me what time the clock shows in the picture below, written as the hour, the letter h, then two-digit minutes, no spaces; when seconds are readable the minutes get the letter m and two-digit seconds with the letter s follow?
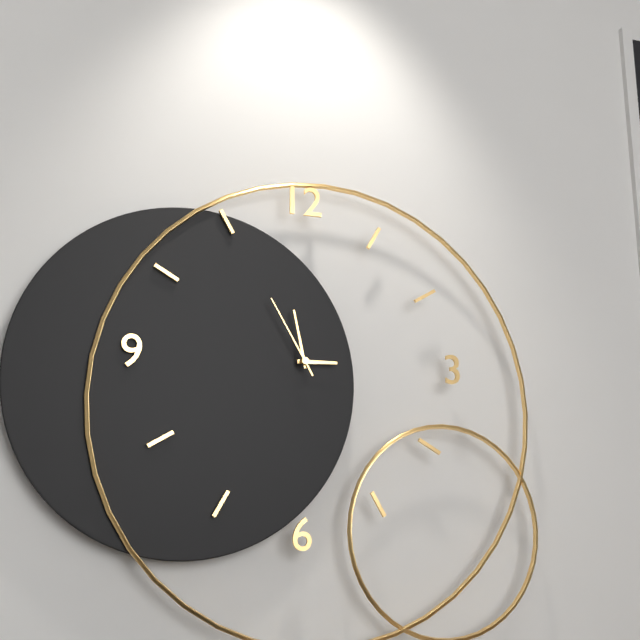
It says 2h58m55s
